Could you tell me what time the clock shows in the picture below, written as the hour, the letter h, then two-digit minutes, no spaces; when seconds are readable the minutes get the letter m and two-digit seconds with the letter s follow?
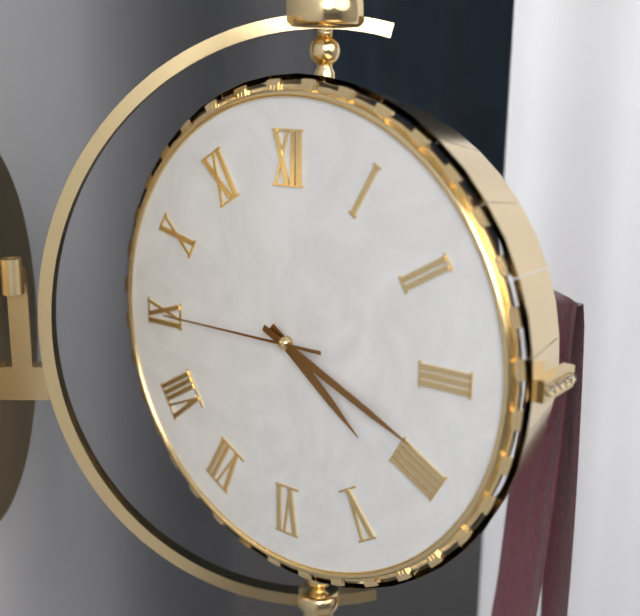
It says 4h19m45s
